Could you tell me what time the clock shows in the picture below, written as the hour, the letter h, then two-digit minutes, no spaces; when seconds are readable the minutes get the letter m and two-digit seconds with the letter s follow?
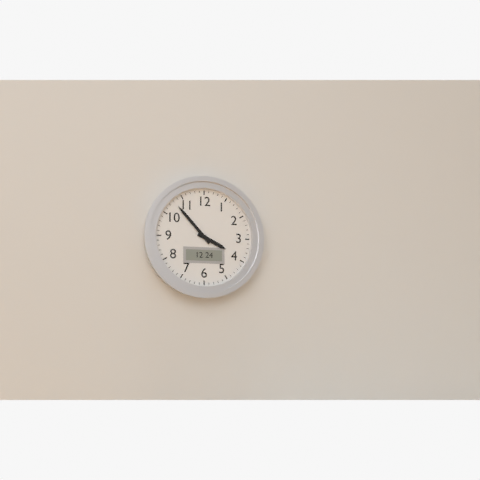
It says 3h53
